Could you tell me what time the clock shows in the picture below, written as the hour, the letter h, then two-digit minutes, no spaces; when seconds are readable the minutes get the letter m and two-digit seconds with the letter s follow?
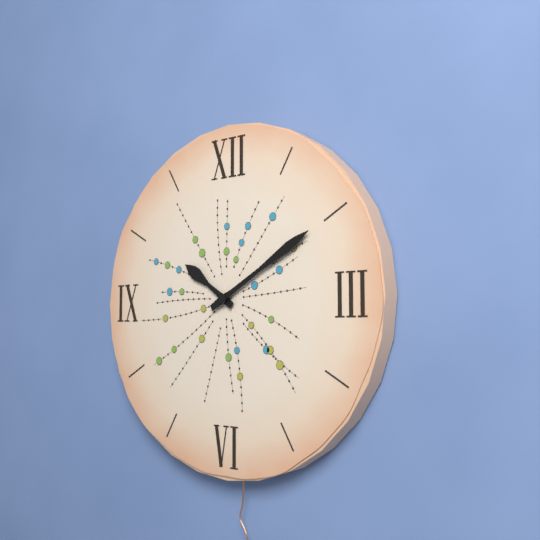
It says 10h10
